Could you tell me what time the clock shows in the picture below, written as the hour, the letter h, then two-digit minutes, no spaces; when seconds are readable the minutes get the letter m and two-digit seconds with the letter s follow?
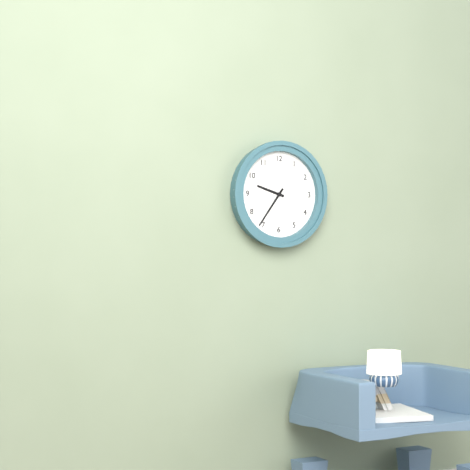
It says 9h36
